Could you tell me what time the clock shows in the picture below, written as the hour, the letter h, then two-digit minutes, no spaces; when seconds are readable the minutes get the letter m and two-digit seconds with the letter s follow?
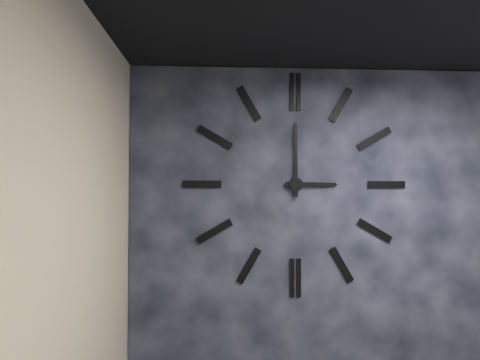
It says 3h00
